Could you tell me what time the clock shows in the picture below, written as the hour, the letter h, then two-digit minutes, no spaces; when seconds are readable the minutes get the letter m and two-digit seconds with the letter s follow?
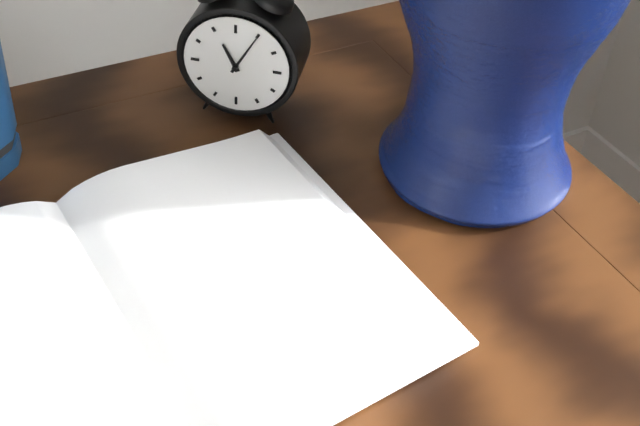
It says 11h05
